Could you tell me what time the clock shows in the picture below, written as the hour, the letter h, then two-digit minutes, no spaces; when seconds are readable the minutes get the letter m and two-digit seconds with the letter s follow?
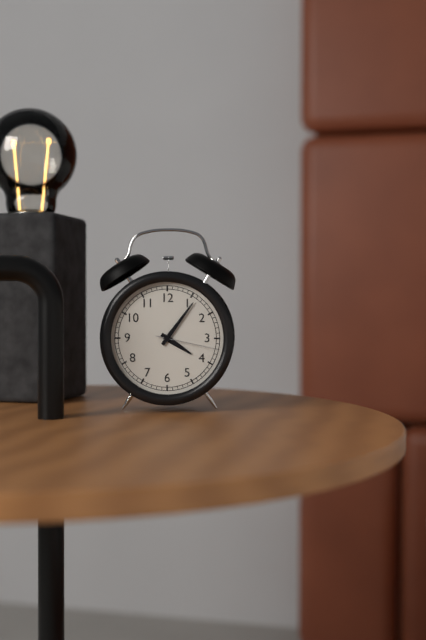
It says 4h06m17s
